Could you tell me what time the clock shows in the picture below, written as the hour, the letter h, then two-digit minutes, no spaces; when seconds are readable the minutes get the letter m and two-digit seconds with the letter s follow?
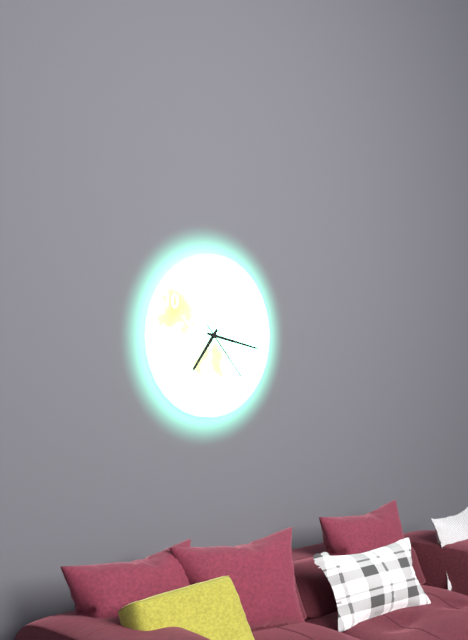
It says 7h17m23s
